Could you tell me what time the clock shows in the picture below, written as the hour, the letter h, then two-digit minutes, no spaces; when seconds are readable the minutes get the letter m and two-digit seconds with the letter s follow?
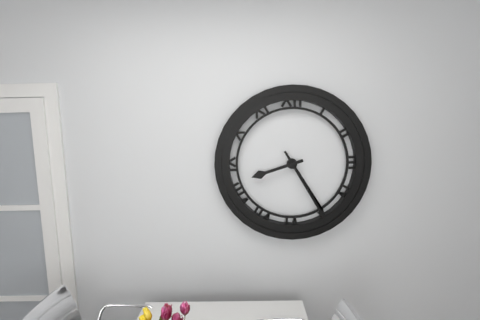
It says 8h25
